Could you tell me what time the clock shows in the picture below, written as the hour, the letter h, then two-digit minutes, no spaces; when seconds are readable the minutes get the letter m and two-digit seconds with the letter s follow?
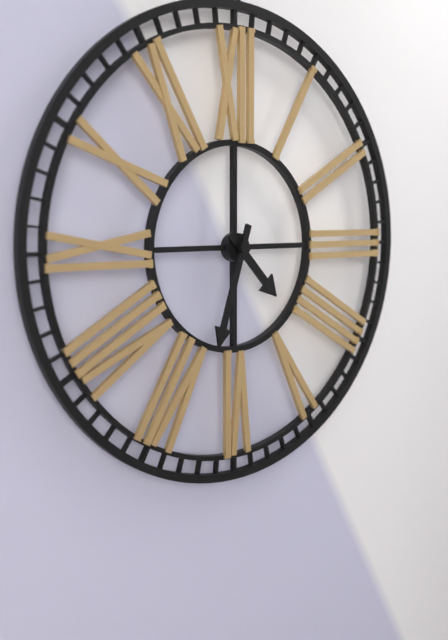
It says 4h33
